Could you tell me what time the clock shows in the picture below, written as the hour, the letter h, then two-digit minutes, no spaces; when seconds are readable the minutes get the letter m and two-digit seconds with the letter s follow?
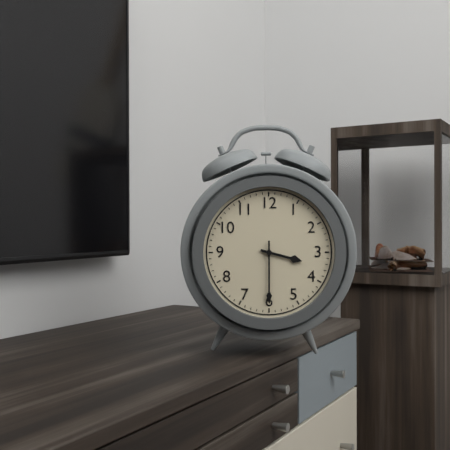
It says 3h30
